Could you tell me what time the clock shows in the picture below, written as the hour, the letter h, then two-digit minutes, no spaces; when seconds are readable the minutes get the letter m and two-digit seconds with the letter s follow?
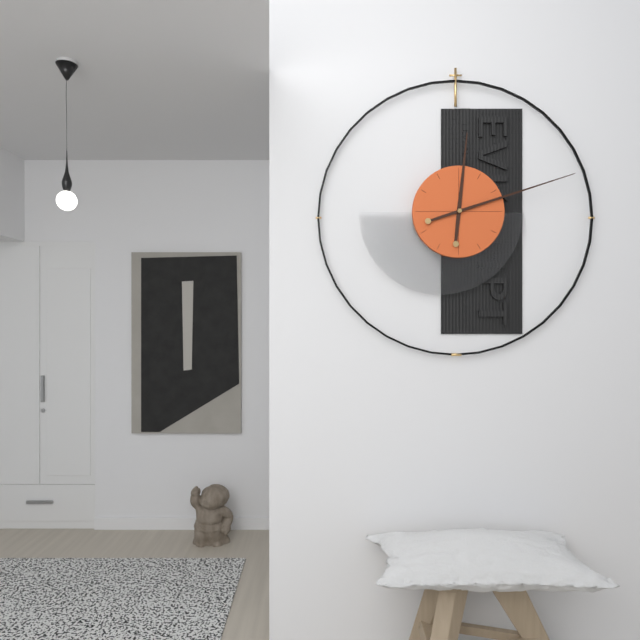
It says 12h12
